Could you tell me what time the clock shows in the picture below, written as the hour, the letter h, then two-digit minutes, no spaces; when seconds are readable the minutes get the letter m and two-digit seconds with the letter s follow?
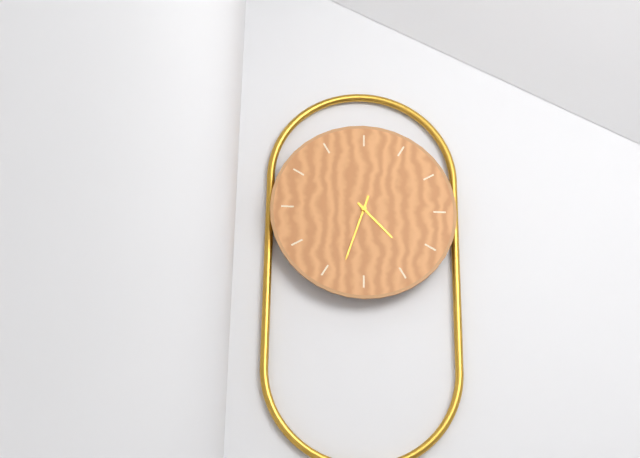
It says 4h33
